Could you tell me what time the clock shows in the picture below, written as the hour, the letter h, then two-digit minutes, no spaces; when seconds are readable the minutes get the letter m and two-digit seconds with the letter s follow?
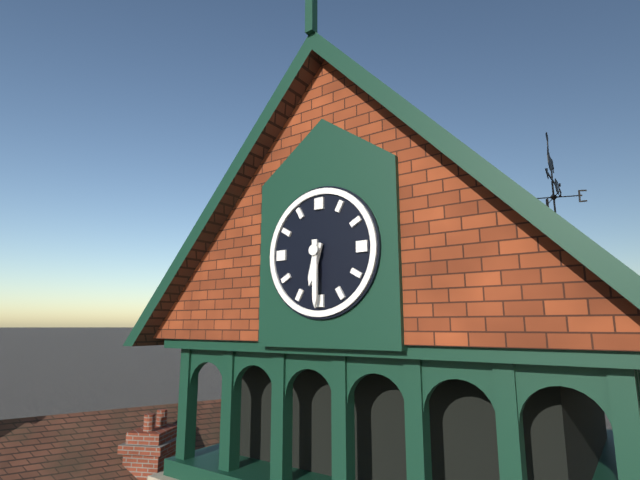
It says 6h30
